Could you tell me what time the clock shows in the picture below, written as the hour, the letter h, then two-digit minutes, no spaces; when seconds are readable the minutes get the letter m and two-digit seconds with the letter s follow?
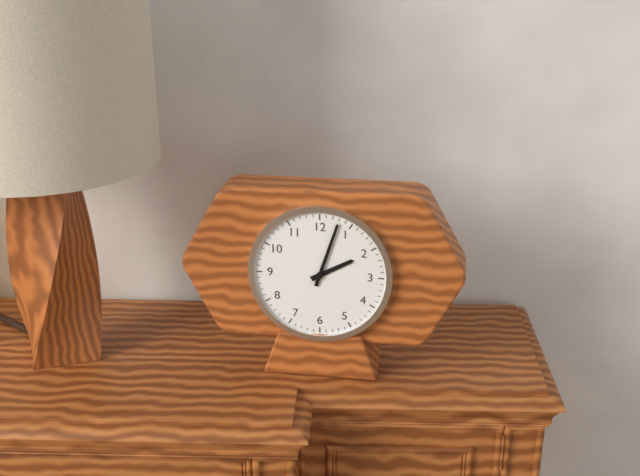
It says 2h03
